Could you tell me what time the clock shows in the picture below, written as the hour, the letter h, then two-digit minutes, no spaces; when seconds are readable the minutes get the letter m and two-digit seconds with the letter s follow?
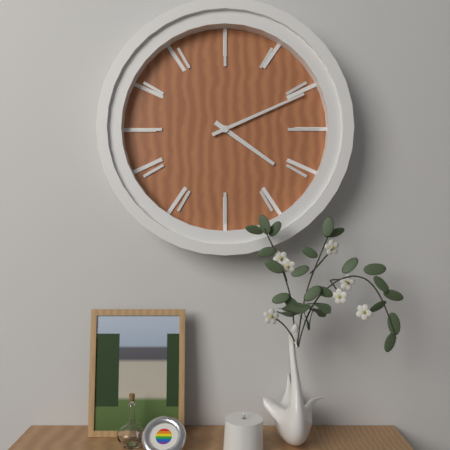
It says 4h11
